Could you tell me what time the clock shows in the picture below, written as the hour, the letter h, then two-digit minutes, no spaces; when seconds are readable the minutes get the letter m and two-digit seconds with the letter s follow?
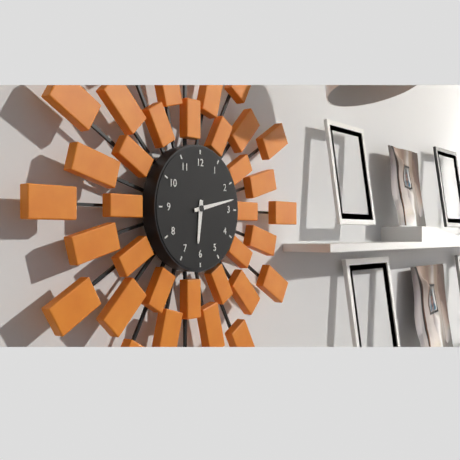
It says 6h13
